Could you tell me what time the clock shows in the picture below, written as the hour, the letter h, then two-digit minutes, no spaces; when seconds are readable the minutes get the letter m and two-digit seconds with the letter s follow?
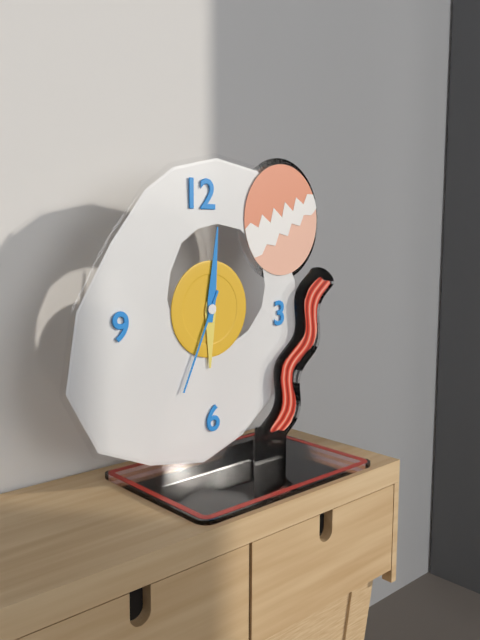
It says 6h01m34s
